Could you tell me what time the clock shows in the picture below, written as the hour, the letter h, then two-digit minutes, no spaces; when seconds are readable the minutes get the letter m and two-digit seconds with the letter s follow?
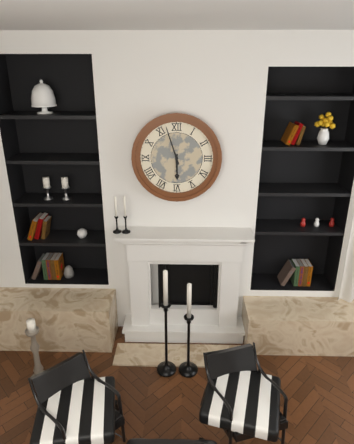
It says 5h57
